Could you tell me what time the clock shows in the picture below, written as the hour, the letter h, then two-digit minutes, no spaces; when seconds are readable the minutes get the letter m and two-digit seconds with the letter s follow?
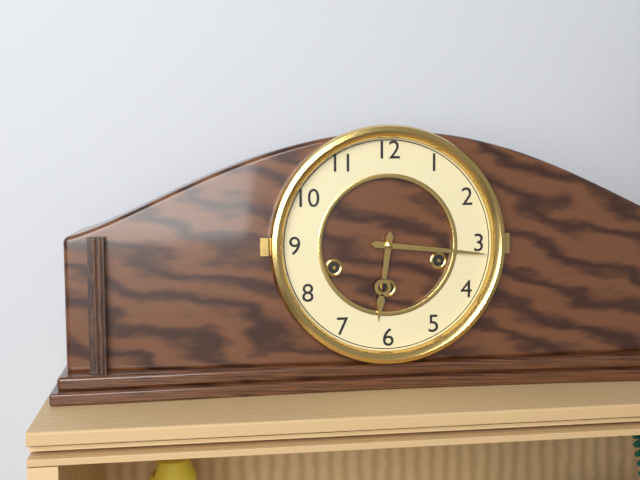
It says 6h16
